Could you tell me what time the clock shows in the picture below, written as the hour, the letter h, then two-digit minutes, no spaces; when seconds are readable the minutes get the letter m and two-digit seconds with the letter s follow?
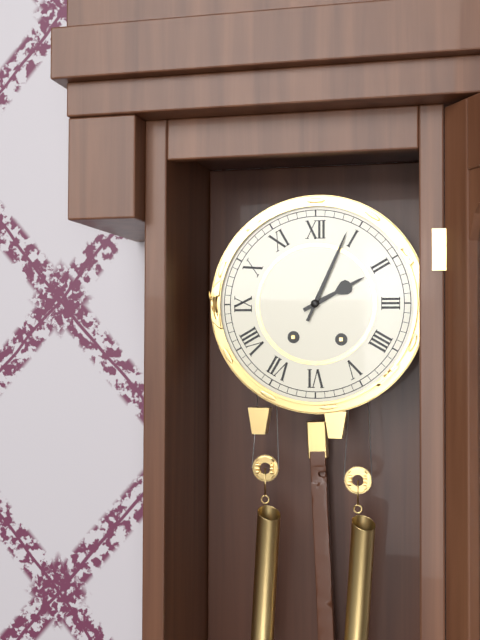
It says 2h04
